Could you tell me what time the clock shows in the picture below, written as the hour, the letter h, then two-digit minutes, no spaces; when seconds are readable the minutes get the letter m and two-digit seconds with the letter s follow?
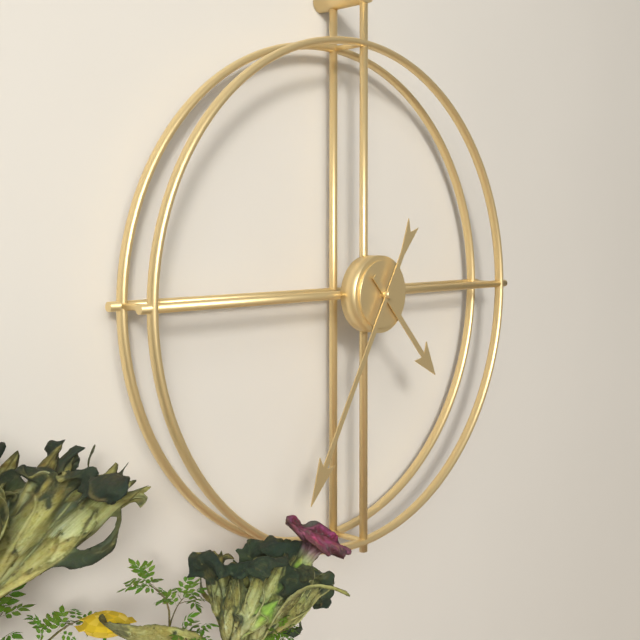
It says 4h35
